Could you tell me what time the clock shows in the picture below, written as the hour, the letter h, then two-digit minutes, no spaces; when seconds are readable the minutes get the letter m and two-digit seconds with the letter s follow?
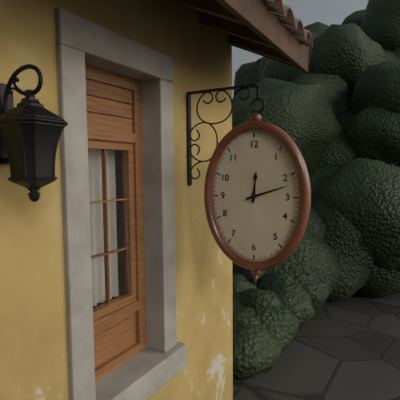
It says 12h12
